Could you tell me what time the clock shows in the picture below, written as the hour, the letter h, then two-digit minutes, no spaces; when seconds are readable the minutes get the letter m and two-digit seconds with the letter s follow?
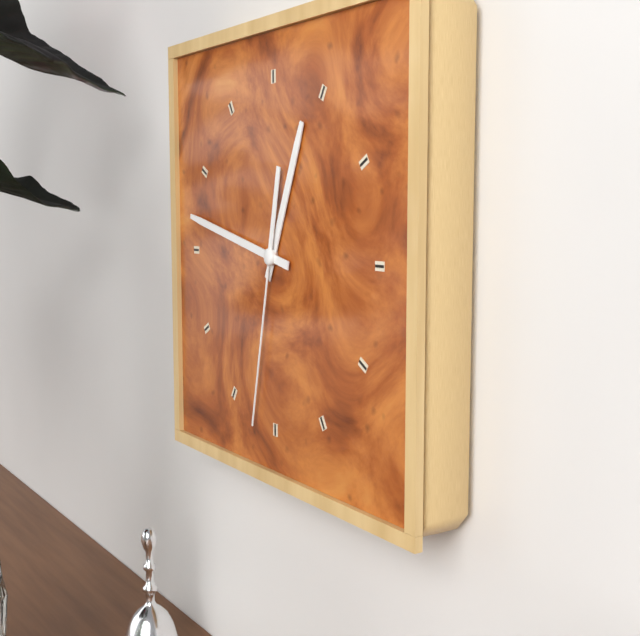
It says 12h47m32s
